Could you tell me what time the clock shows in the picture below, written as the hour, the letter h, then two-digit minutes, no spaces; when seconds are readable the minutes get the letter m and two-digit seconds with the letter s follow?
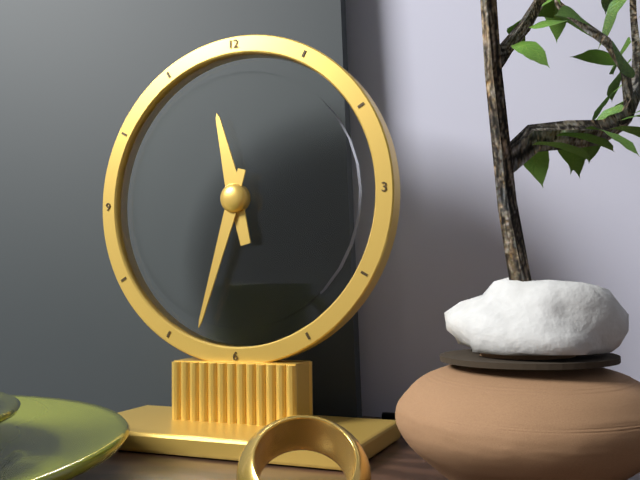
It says 11h33
